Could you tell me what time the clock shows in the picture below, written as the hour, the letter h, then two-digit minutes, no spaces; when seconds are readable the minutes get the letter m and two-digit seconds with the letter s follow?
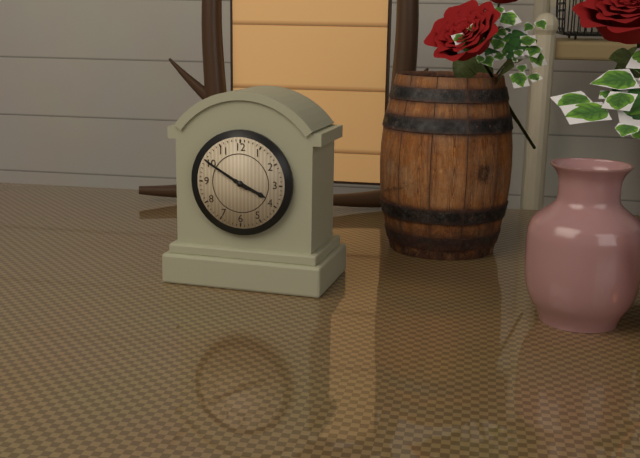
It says 3h50
